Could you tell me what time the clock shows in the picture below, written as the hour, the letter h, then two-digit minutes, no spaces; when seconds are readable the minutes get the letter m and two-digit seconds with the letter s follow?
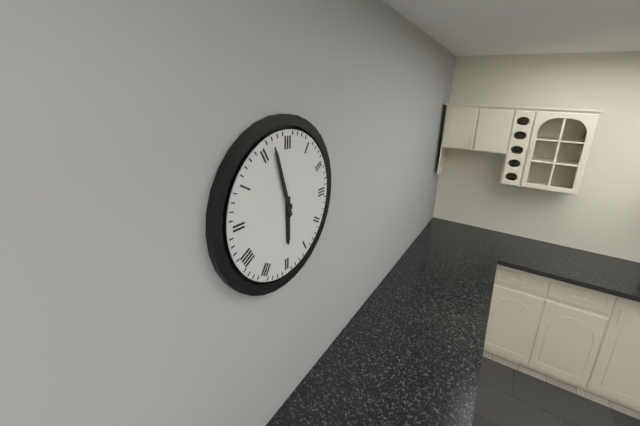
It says 5h57
